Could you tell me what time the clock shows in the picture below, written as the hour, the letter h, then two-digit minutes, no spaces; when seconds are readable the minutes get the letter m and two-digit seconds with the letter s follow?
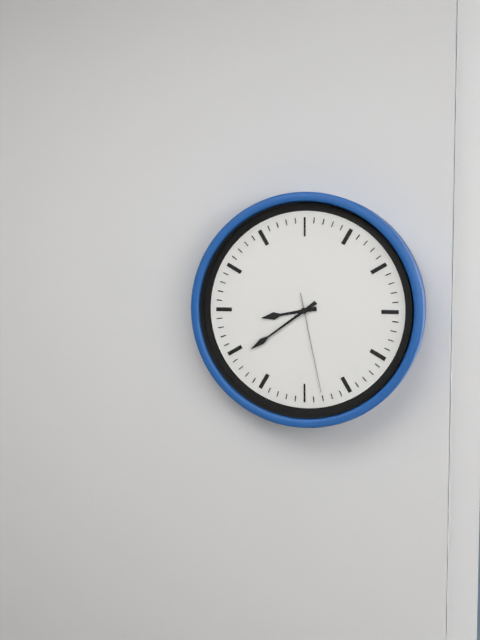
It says 8h39m28s
